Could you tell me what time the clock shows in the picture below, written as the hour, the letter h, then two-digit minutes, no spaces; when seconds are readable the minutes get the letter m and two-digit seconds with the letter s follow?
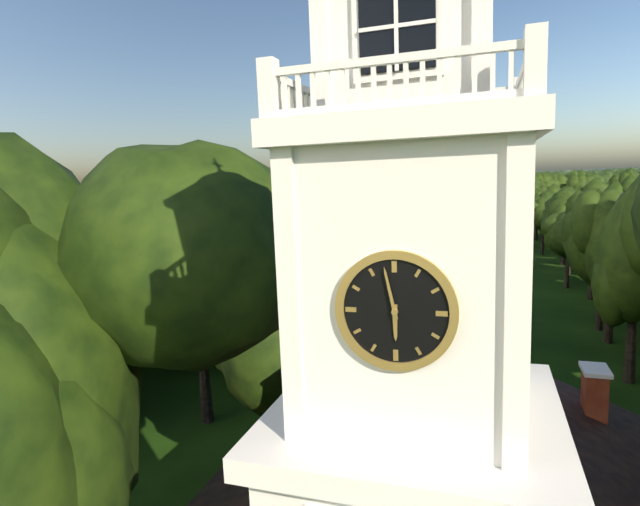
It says 5h58
